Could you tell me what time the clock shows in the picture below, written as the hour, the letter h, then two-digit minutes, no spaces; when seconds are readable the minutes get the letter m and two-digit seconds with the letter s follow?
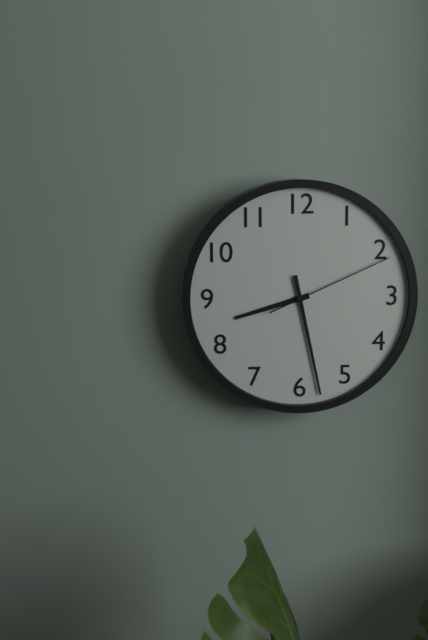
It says 8h28m11s
